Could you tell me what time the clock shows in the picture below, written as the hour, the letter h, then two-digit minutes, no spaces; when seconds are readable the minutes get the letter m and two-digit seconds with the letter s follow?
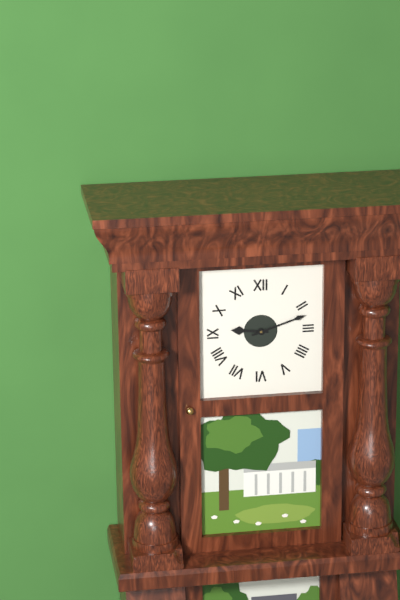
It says 9h12
